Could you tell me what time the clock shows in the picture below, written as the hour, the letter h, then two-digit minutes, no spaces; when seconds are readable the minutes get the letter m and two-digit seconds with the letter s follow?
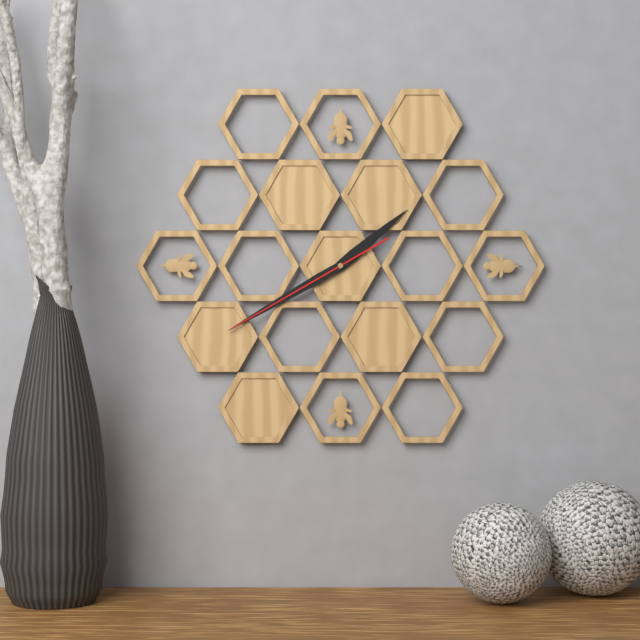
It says 1h40m40s
